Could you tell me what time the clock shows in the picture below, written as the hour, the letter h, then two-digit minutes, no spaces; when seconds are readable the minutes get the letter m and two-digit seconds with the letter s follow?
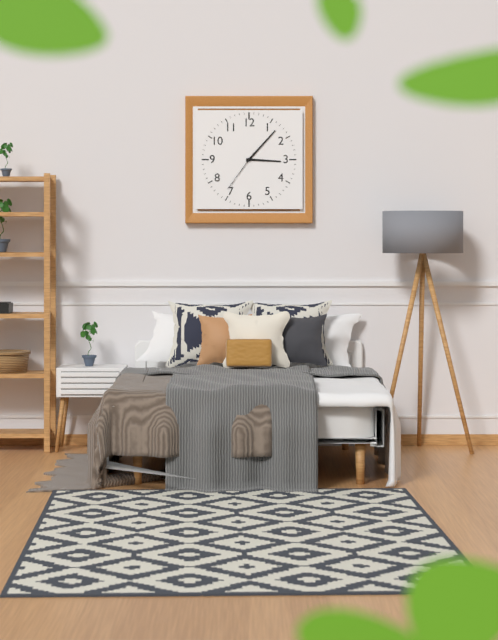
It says 3h07
